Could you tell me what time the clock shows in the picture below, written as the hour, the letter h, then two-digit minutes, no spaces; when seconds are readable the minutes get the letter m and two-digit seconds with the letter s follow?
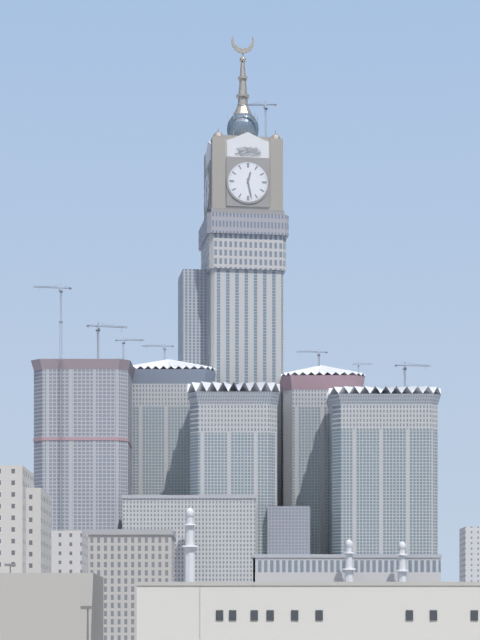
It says 12h28
